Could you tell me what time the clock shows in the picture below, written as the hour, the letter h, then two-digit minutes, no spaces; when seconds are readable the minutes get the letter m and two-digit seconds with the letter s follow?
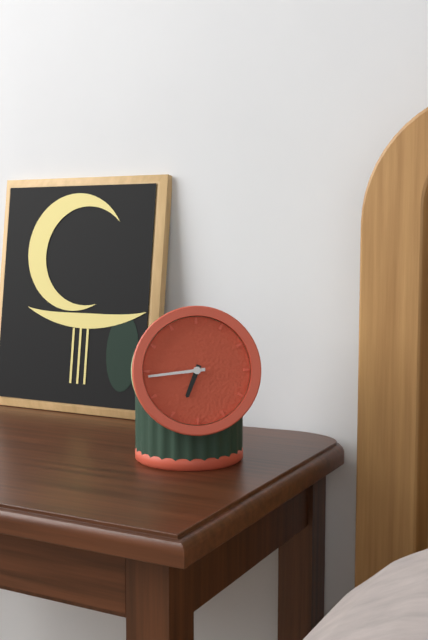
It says 6h44
